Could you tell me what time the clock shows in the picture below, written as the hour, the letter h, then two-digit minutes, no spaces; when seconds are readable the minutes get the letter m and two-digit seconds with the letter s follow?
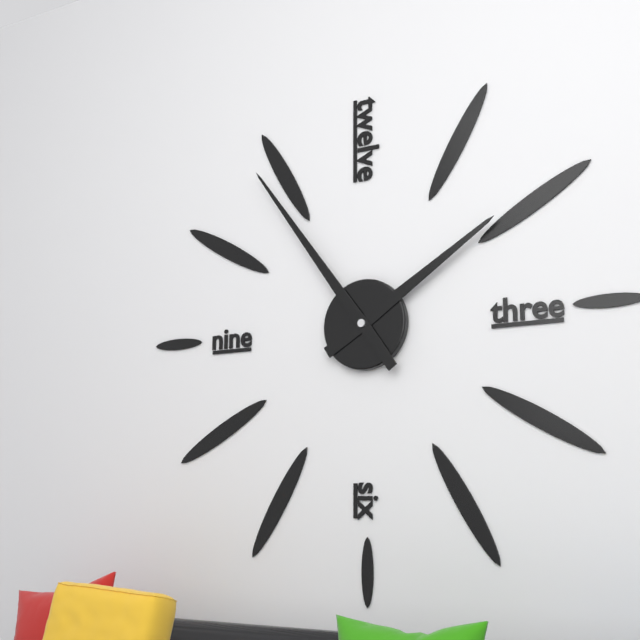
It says 1h54
